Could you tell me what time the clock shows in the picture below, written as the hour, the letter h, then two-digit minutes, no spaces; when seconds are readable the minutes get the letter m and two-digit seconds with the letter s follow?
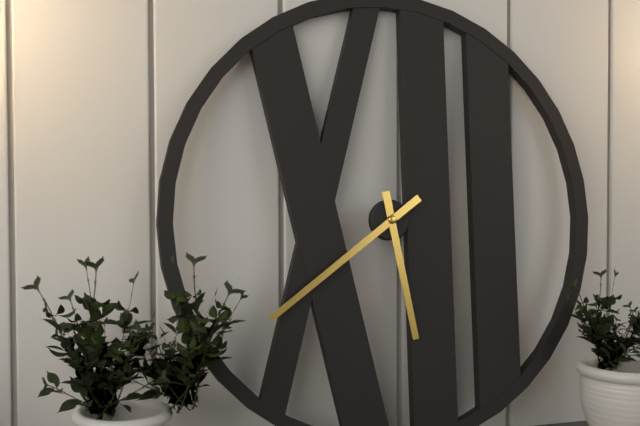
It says 5h39
